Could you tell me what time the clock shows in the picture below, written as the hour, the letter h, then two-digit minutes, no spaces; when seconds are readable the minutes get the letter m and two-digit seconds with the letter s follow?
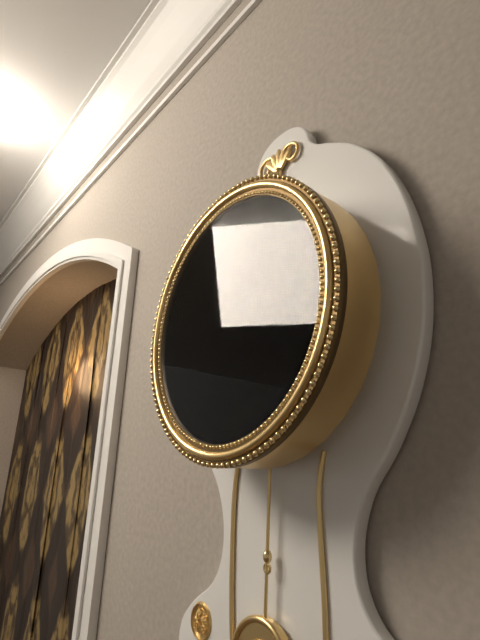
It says 6h28
